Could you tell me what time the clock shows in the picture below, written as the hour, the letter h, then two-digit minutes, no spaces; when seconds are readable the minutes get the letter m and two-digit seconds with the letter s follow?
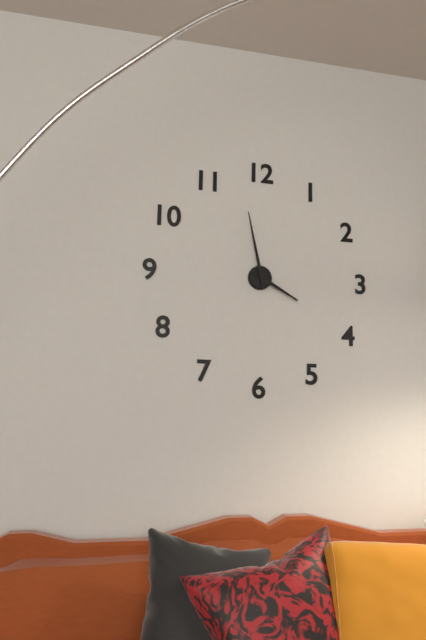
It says 3h58
